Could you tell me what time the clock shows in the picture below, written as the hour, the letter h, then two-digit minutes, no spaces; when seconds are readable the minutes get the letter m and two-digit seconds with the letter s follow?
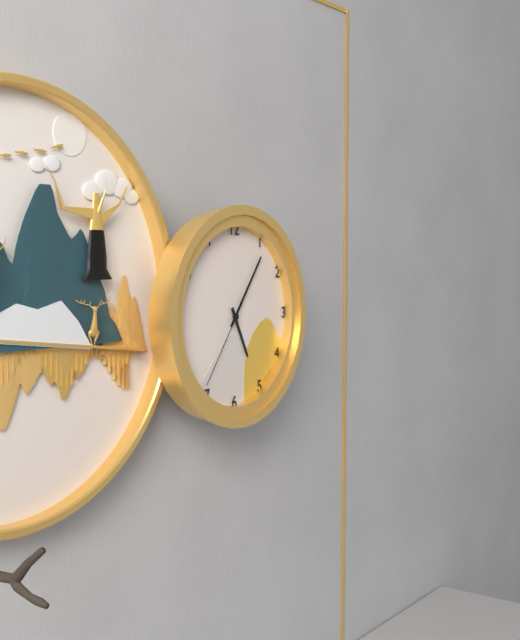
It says 5h06m36s
